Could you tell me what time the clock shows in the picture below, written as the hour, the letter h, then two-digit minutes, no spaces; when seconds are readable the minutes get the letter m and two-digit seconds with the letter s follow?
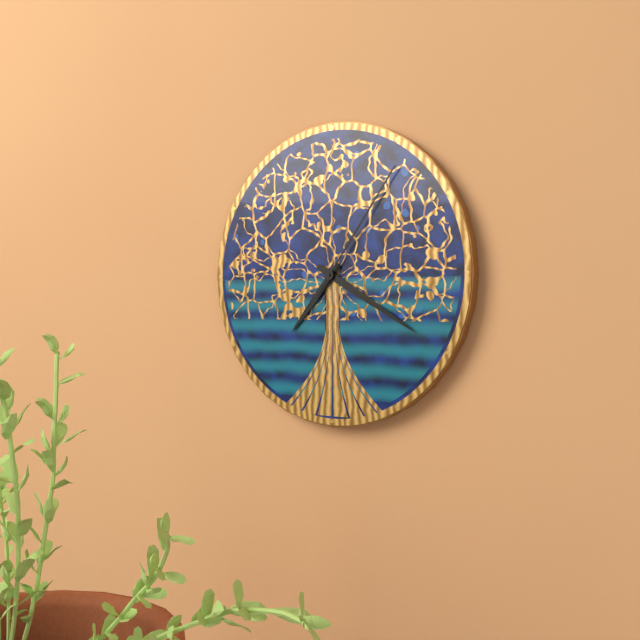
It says 7h20m06s
